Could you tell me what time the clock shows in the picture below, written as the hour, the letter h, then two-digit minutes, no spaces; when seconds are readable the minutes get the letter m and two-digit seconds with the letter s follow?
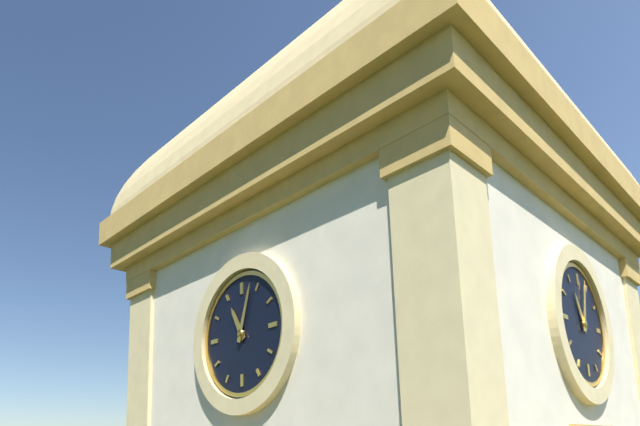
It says 11h03
